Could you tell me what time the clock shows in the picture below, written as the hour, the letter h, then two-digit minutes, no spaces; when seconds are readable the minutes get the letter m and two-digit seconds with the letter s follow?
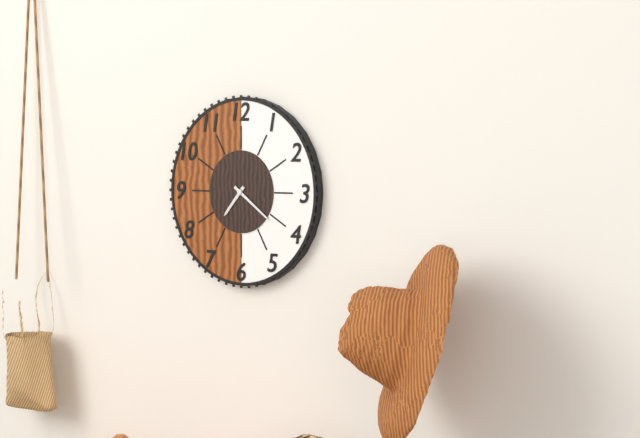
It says 7h21
